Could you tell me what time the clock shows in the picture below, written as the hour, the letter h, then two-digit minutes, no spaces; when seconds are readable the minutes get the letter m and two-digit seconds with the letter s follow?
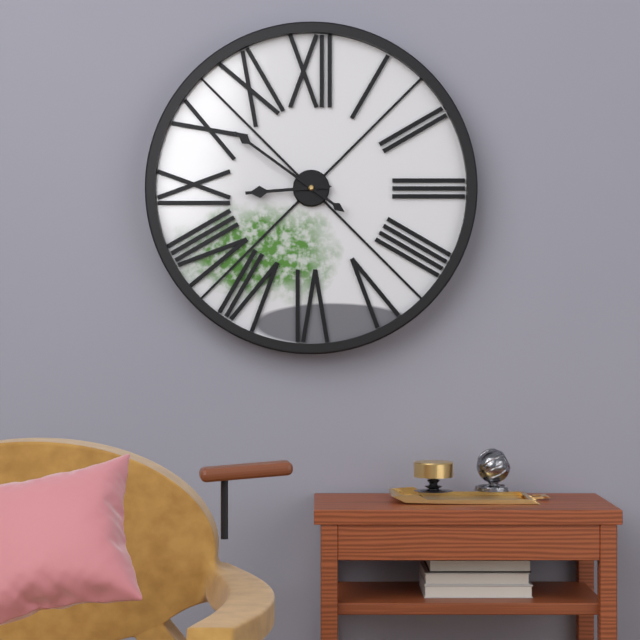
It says 8h51
